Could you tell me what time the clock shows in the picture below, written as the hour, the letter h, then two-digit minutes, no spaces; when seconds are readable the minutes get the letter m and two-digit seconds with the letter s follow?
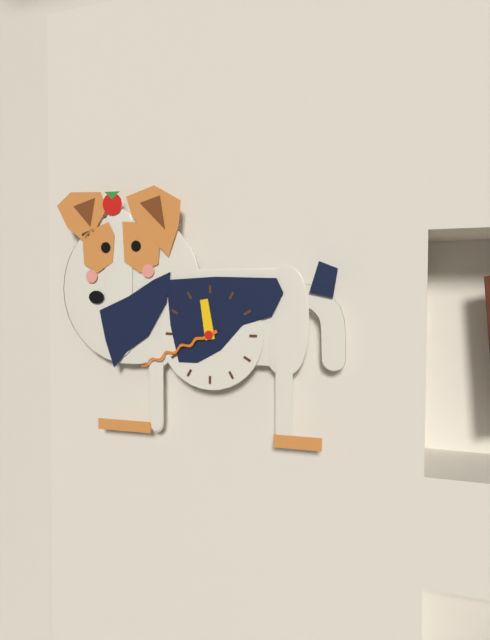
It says 11h41
